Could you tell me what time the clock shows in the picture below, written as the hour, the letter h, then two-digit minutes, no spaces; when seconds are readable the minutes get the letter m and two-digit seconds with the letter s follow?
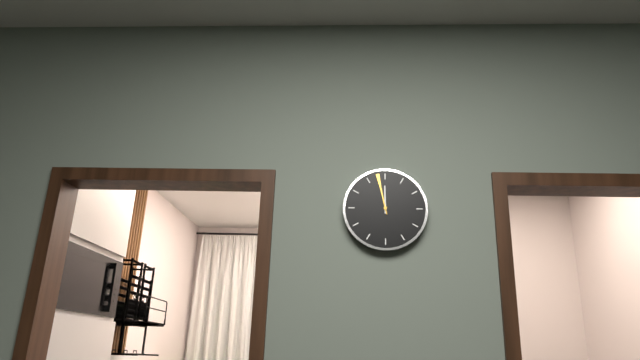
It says 11h58
